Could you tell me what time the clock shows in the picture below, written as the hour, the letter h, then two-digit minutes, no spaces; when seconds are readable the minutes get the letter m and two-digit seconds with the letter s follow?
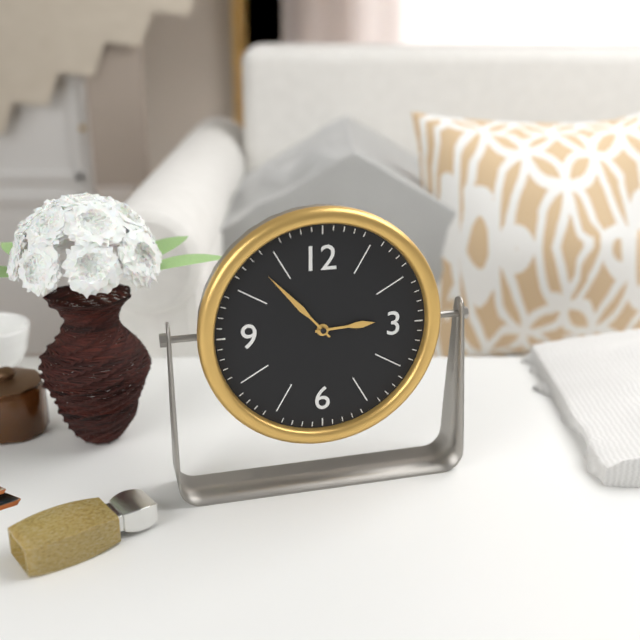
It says 2h53
